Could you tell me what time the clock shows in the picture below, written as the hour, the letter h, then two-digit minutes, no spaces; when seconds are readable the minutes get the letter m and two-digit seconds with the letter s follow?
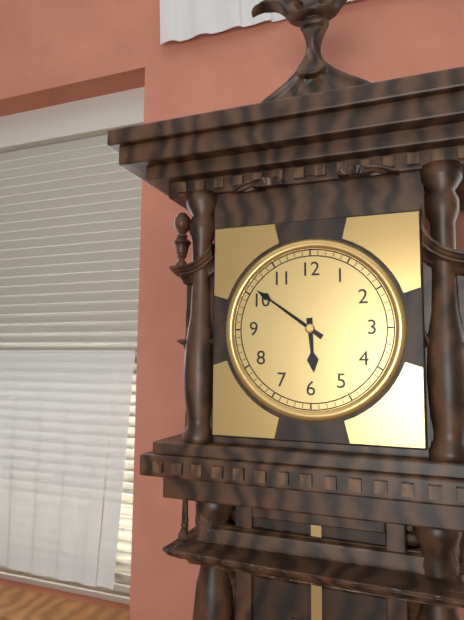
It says 5h51
